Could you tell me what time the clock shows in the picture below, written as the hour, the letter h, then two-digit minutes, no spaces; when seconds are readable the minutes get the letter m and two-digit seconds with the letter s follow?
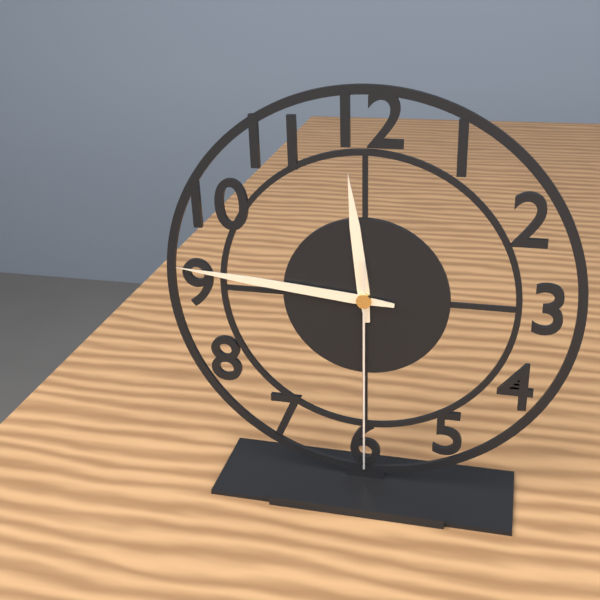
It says 11h46m30s
